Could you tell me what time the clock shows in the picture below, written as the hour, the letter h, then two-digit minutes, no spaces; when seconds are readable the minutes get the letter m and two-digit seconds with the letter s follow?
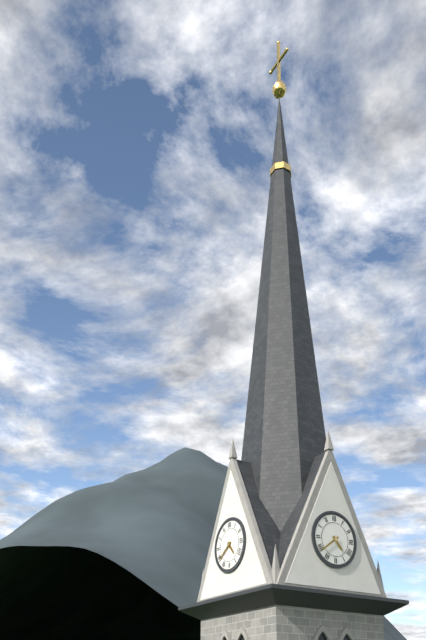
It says 4h39
